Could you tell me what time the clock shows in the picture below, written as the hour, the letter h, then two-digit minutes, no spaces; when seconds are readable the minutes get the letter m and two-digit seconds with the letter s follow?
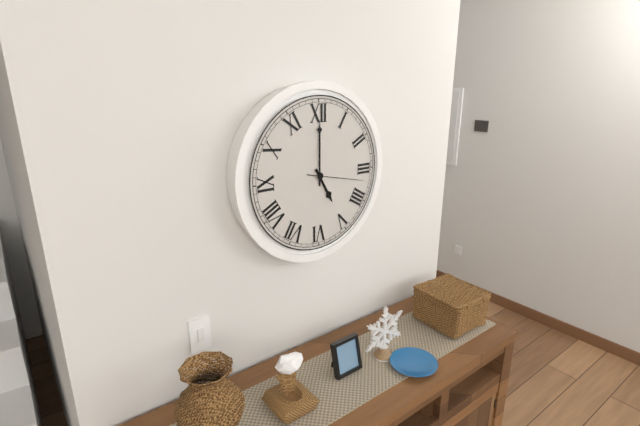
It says 5h00m17s
